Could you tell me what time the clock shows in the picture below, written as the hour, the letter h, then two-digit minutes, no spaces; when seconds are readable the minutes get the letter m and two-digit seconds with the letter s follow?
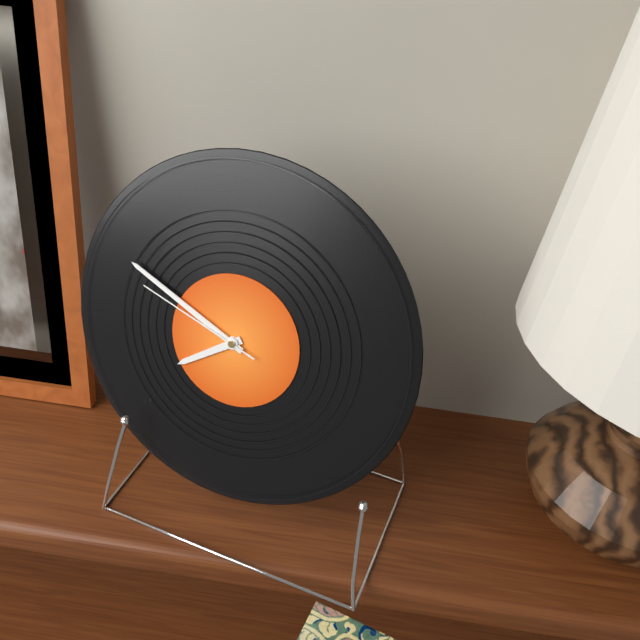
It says 7h49m48s
